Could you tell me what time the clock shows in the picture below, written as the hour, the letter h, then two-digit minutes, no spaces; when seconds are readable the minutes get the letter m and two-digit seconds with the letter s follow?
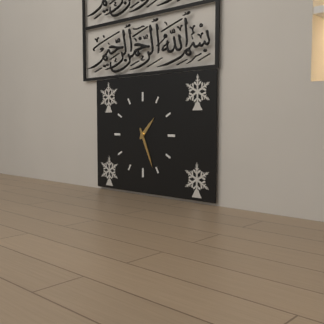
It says 1h26
